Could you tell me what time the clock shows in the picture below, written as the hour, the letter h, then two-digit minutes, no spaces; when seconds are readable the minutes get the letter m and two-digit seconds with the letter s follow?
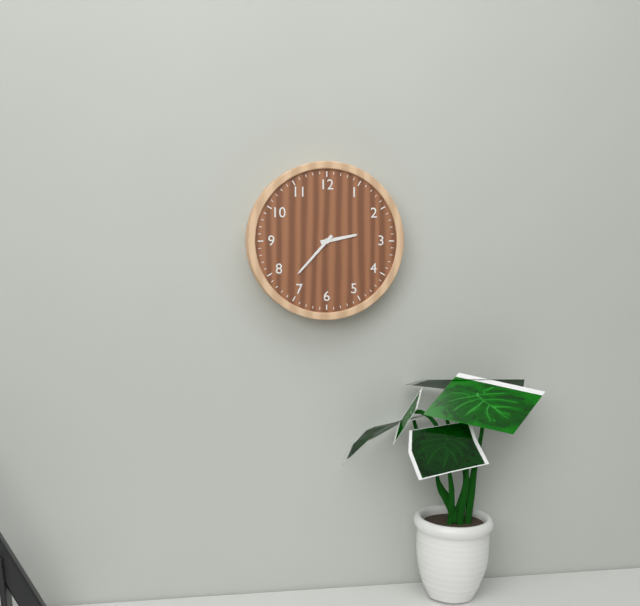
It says 2h37
